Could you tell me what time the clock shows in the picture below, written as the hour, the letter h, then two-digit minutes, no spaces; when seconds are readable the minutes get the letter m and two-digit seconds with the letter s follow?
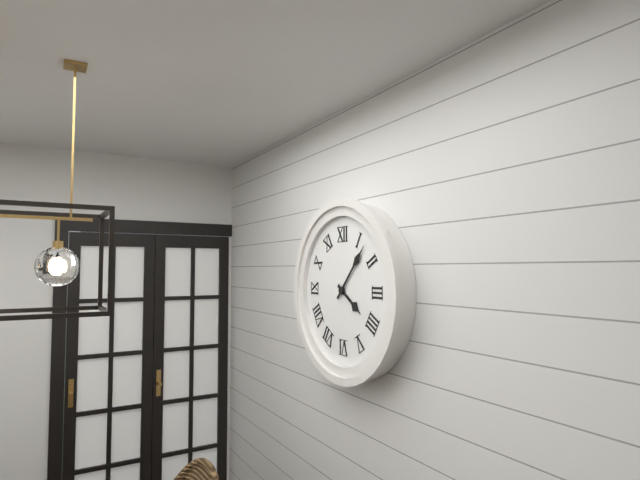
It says 4h07
